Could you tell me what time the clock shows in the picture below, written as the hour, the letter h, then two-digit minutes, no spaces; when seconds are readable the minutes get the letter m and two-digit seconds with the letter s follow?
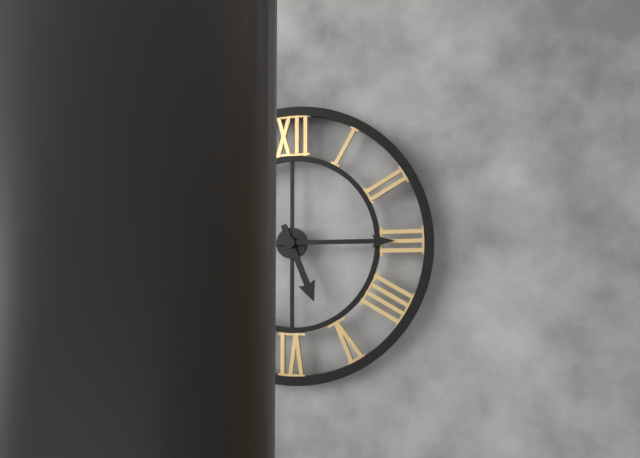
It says 5h15
